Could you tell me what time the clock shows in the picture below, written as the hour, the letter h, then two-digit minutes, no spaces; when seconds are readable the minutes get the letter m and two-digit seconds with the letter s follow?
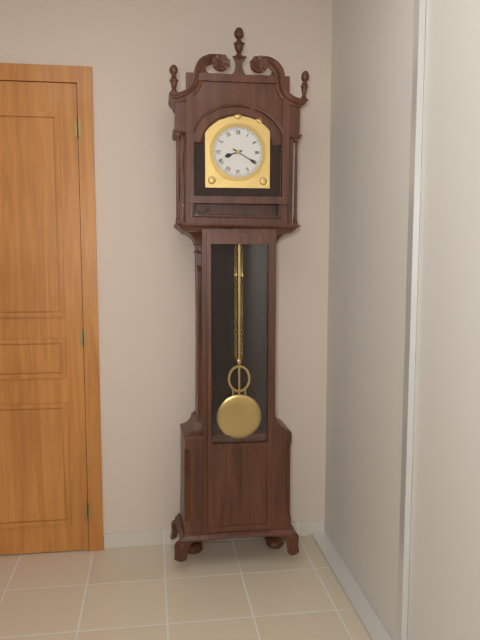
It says 8h20
